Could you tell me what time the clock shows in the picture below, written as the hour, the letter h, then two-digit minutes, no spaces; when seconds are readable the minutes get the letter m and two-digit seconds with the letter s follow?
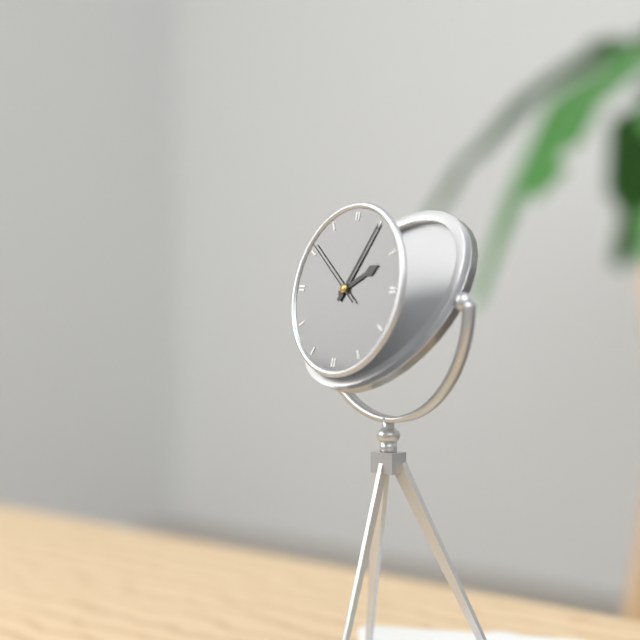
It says 2h05m51s
